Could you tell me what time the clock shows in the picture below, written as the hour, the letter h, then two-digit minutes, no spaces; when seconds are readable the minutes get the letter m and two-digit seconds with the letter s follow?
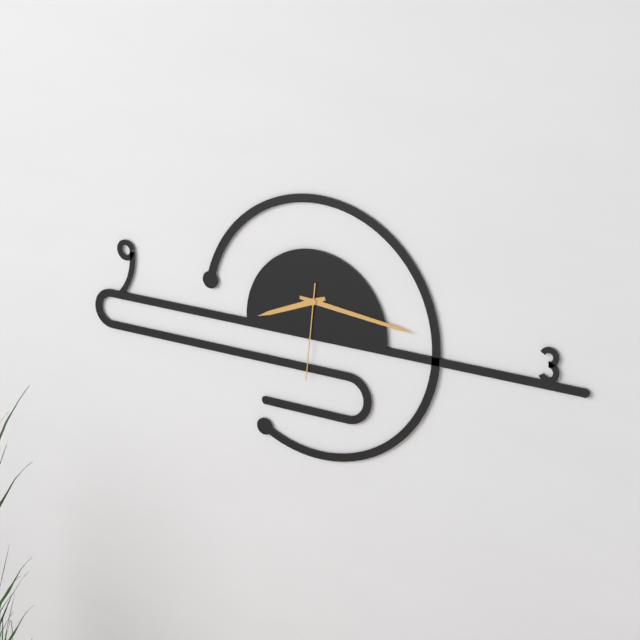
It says 8h16m31s
